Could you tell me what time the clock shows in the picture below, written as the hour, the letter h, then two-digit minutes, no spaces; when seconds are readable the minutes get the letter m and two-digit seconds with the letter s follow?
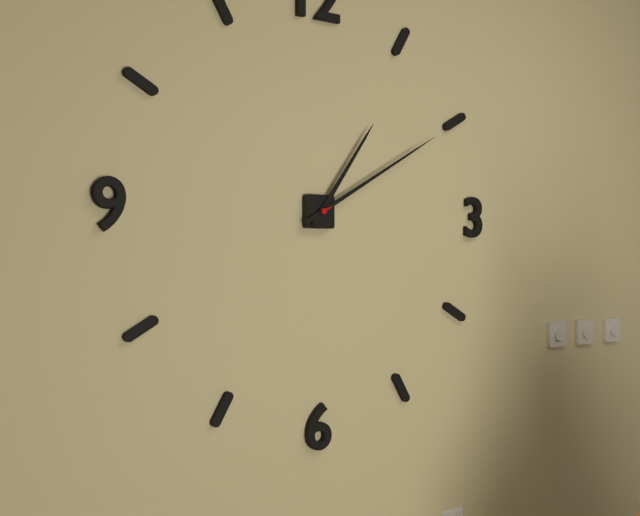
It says 1h10
